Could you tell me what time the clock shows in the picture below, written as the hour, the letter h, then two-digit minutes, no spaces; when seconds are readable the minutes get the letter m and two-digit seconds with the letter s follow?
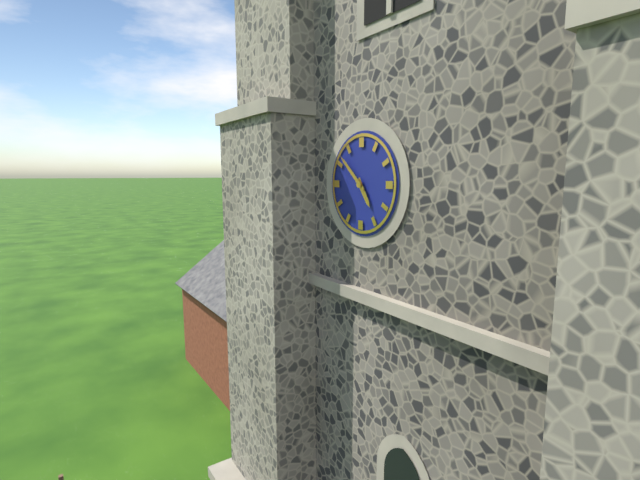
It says 4h52
